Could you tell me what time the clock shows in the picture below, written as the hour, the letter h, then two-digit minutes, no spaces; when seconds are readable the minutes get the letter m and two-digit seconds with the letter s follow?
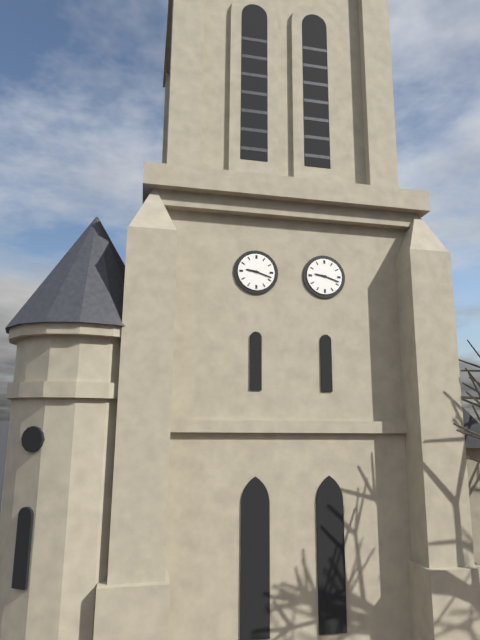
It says 9h18
